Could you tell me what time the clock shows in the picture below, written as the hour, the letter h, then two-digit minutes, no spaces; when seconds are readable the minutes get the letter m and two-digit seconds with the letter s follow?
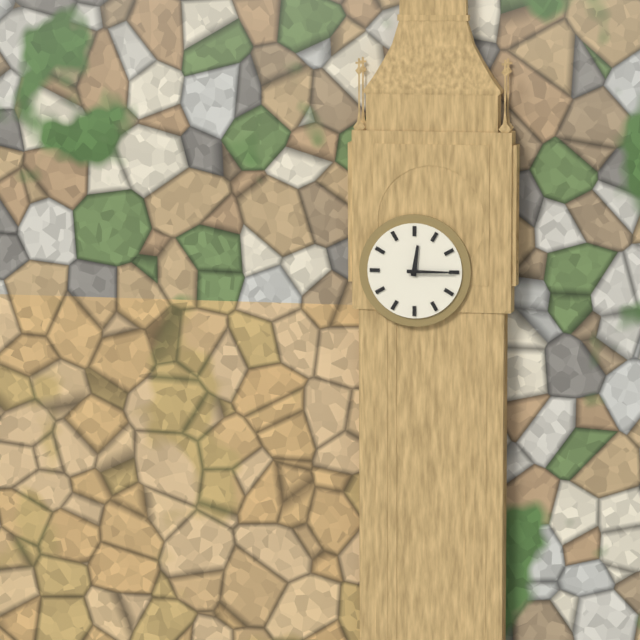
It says 12h15
